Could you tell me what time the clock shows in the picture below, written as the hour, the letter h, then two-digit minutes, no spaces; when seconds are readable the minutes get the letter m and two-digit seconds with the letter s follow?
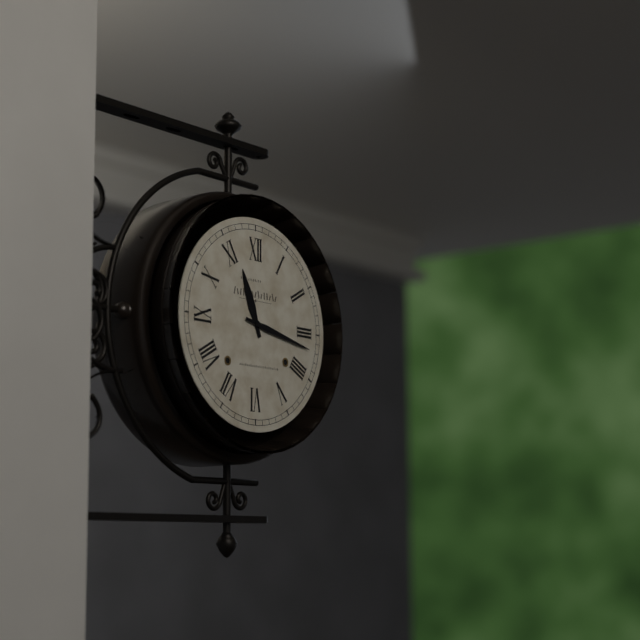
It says 11h17
